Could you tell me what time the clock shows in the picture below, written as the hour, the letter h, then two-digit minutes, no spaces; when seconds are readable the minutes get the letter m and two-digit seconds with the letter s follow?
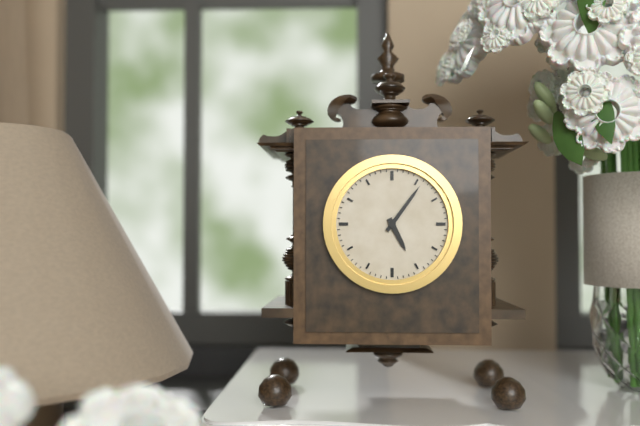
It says 5h06
